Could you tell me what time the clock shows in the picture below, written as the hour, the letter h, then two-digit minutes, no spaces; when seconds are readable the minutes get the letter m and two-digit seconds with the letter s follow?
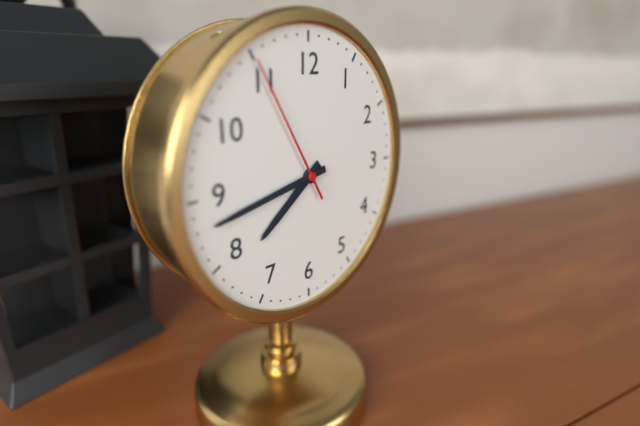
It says 7h43m55s
